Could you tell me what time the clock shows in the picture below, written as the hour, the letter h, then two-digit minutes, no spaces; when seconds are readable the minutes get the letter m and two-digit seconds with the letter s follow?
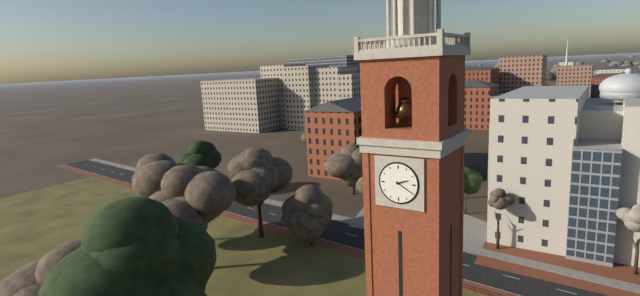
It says 2h20
